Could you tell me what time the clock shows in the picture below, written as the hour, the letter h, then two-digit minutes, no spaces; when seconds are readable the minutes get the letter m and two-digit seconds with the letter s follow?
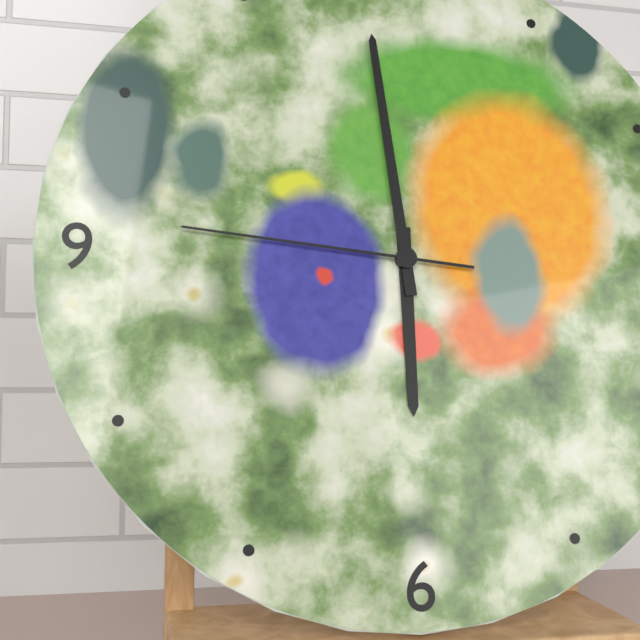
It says 5h59m46s
